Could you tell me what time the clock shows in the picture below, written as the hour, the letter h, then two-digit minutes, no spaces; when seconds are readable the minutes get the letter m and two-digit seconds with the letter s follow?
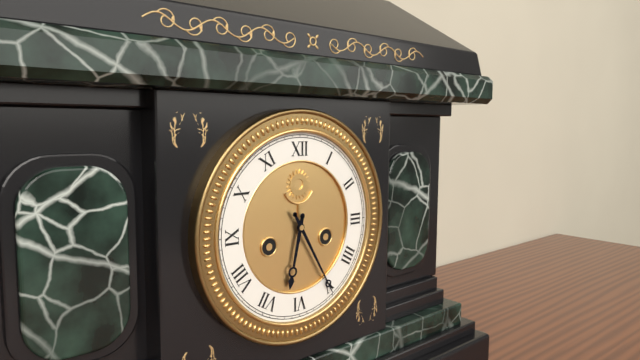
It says 6h25
